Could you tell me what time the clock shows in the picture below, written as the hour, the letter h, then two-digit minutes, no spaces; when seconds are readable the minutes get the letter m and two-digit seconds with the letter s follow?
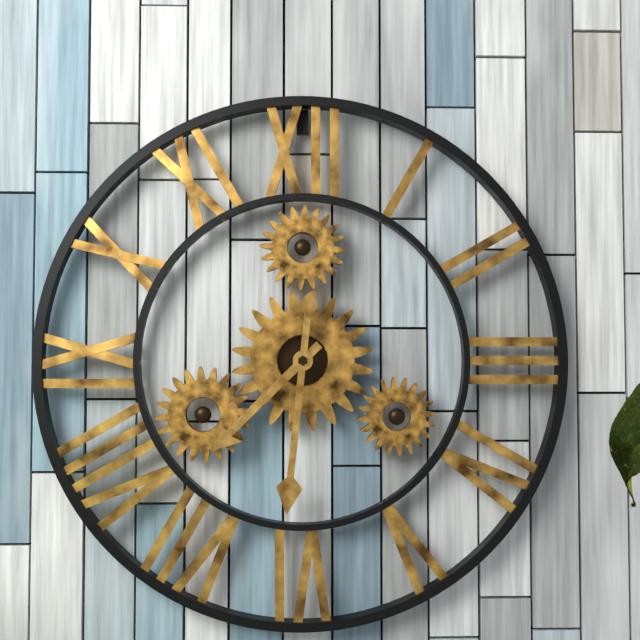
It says 7h31
